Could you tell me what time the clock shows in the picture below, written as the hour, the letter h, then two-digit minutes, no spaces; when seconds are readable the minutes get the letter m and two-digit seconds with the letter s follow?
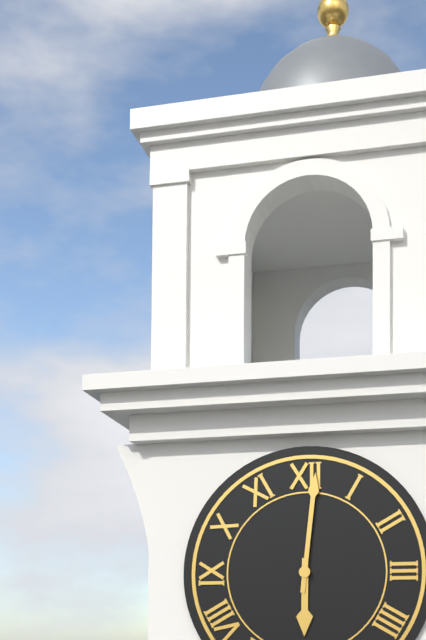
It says 6h01
